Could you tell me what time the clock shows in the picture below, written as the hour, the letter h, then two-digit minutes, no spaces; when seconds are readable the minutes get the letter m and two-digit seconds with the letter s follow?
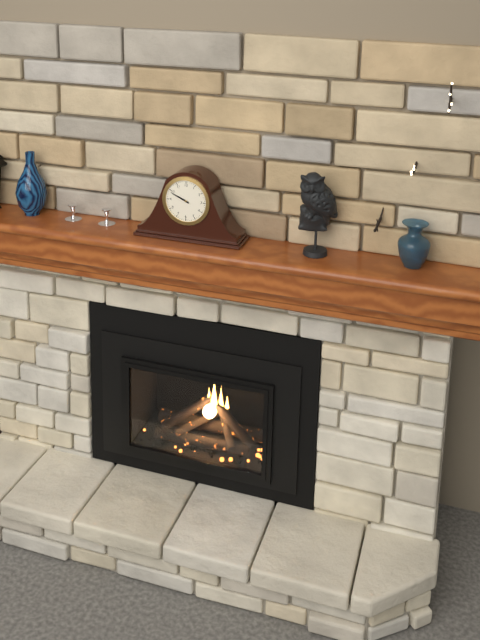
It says 9h49
